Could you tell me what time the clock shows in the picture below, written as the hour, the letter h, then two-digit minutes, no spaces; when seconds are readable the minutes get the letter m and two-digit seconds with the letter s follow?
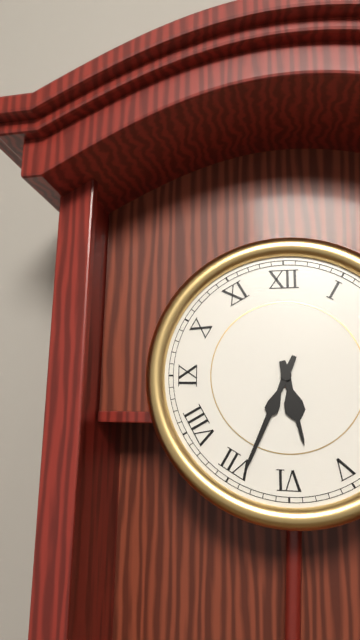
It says 5h34
